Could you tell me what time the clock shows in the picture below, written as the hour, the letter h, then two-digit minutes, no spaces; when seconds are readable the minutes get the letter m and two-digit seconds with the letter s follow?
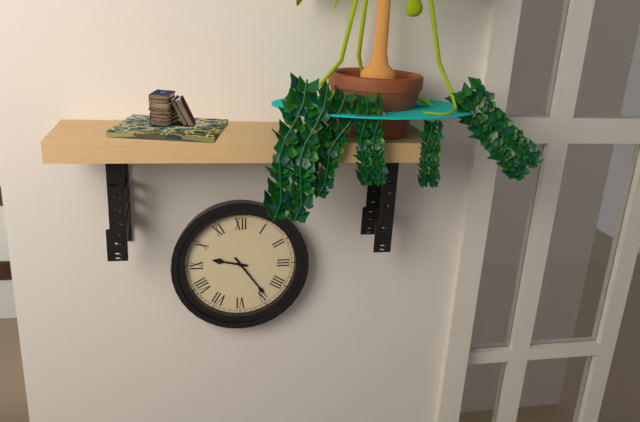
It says 9h24
